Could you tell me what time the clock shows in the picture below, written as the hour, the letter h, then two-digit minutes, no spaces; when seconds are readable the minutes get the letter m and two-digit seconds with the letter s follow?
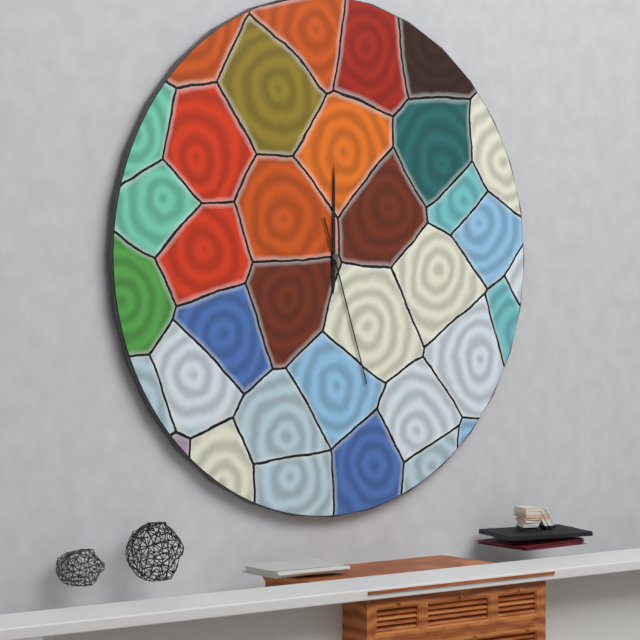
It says 6h00m27s
